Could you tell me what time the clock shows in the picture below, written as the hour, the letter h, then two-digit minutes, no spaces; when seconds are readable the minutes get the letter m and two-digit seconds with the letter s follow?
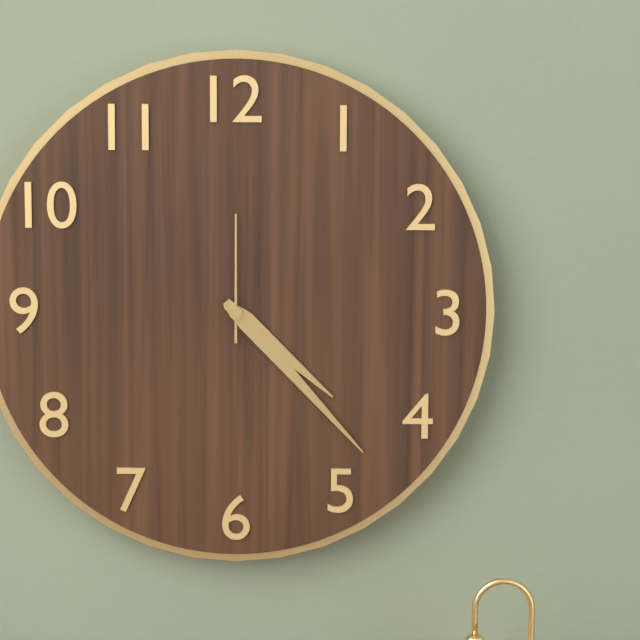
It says 4h23m00s
